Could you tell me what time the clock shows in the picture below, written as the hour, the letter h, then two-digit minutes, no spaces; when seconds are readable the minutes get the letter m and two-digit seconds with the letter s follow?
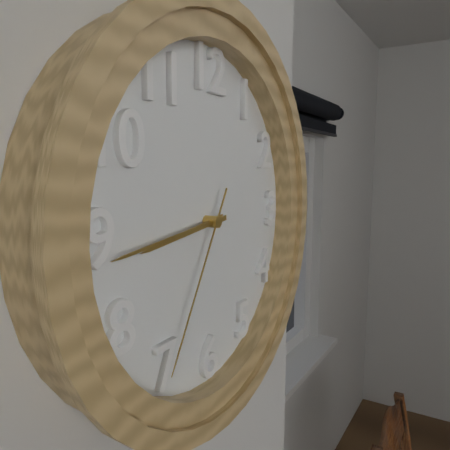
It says 8h44m35s
